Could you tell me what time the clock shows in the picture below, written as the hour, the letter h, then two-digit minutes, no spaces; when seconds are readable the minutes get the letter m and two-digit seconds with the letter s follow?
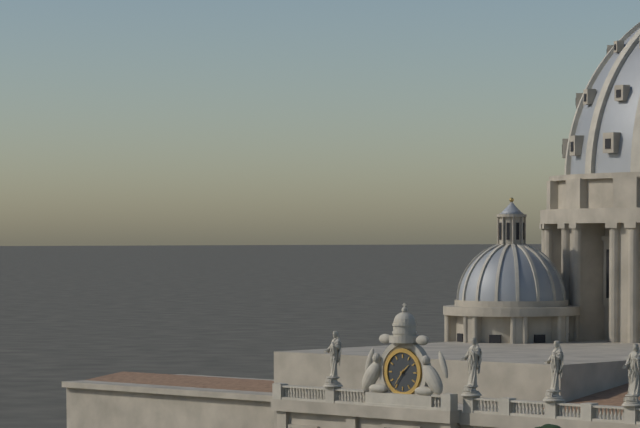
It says 1h36
